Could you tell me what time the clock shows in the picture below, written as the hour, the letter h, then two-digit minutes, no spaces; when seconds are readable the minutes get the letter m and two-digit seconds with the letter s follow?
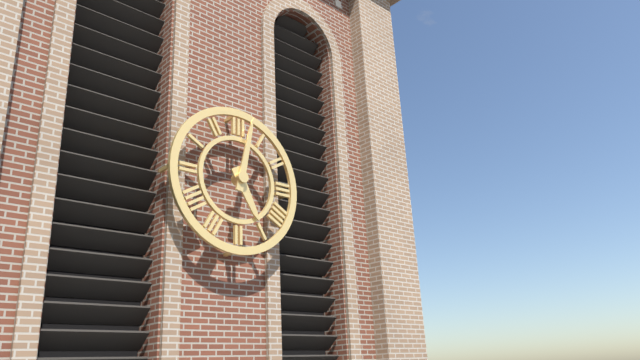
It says 5h02
